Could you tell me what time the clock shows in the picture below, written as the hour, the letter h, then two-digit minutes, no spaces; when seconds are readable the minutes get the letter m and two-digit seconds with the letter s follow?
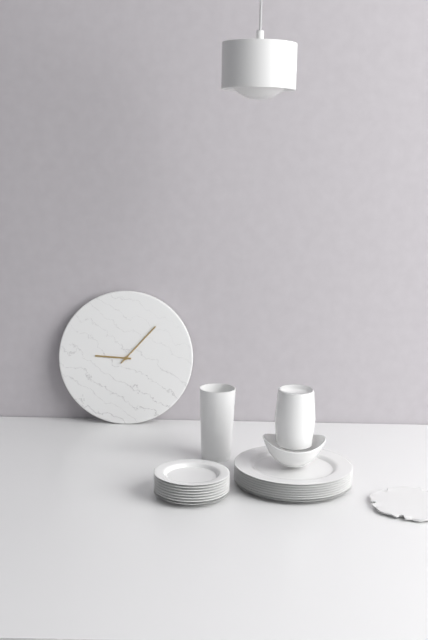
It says 9h07
